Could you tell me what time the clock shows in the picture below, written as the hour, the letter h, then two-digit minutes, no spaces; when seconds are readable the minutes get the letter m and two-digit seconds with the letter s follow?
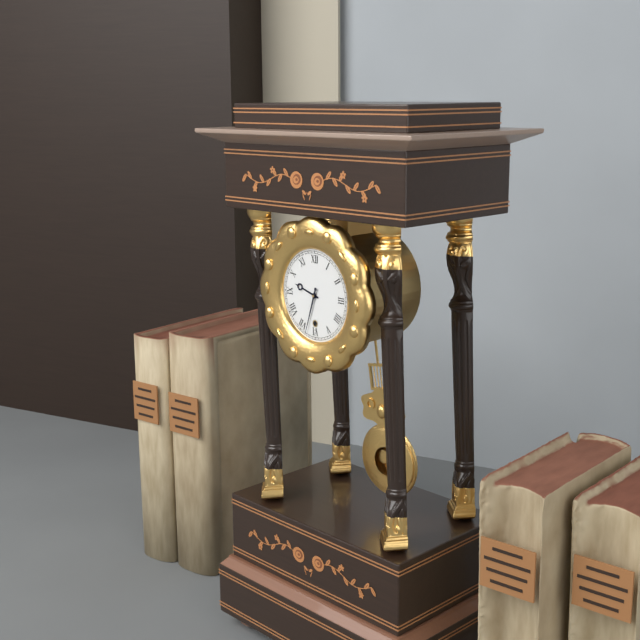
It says 9h33
